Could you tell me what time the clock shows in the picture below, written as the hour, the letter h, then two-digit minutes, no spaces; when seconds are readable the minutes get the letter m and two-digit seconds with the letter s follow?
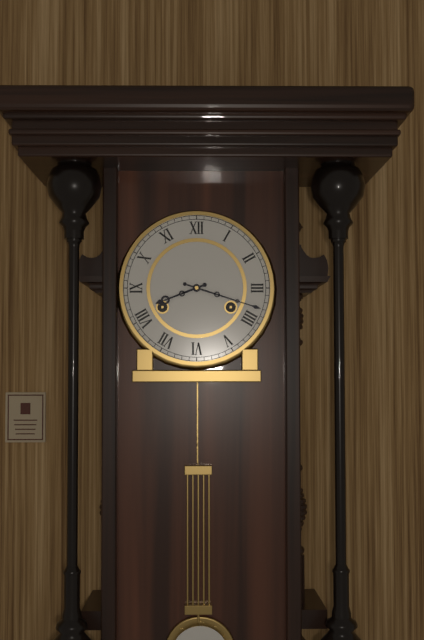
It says 8h18
